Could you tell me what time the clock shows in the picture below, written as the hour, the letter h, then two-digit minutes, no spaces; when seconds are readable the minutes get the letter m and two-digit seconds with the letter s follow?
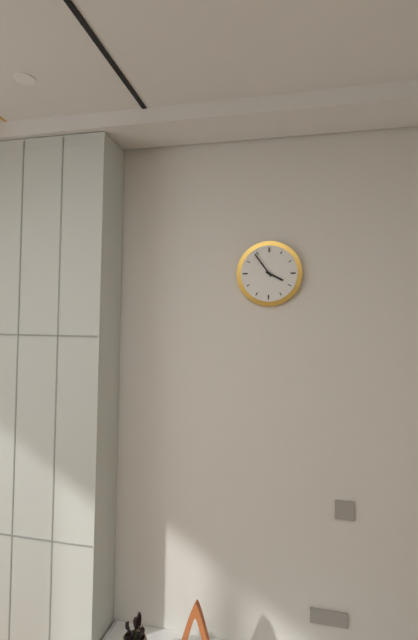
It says 3h54
